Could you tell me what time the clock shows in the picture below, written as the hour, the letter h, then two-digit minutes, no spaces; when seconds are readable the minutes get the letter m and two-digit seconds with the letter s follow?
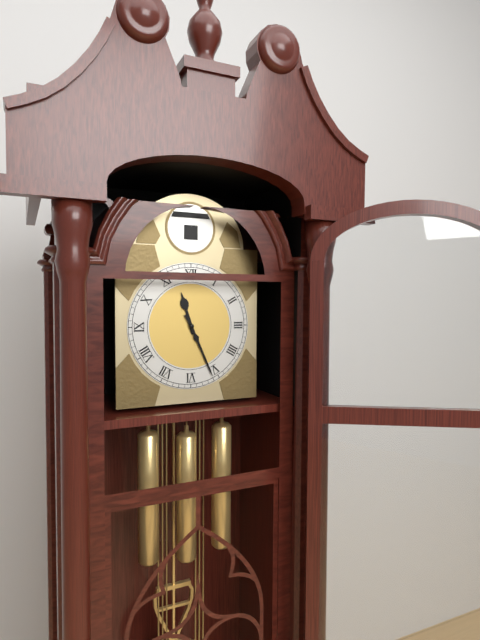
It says 11h26
